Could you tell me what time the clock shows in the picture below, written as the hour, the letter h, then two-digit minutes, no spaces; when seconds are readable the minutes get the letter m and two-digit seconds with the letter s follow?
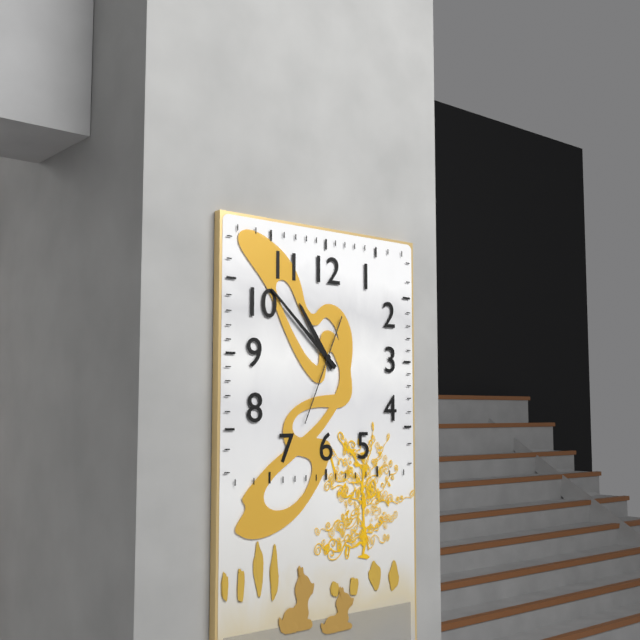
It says 10h52m34s
